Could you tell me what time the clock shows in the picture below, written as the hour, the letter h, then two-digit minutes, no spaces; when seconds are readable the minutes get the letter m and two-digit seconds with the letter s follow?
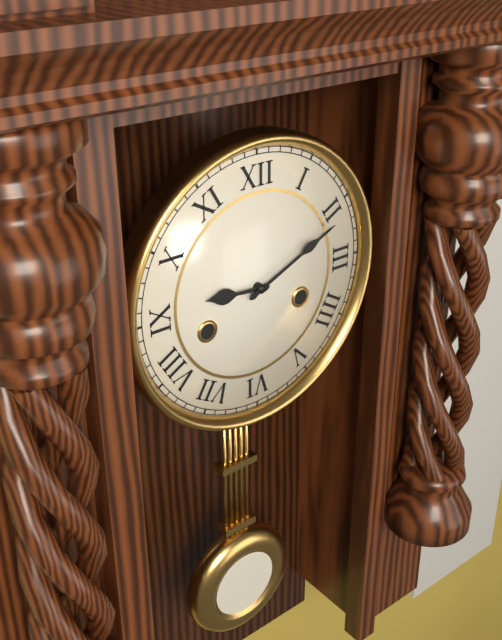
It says 9h11
